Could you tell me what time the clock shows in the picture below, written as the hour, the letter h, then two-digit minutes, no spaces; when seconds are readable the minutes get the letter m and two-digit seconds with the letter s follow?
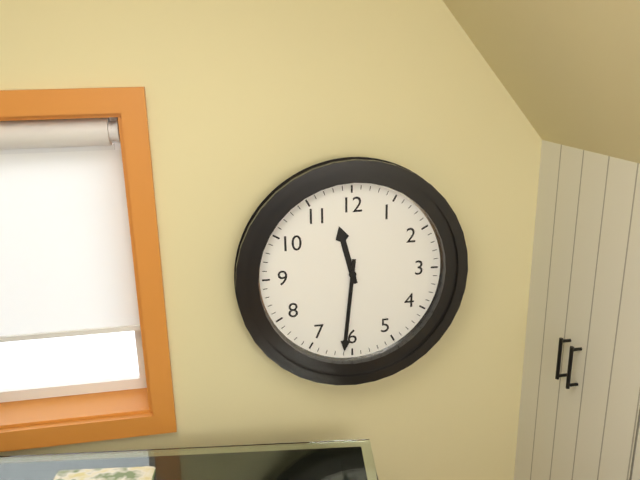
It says 11h31
